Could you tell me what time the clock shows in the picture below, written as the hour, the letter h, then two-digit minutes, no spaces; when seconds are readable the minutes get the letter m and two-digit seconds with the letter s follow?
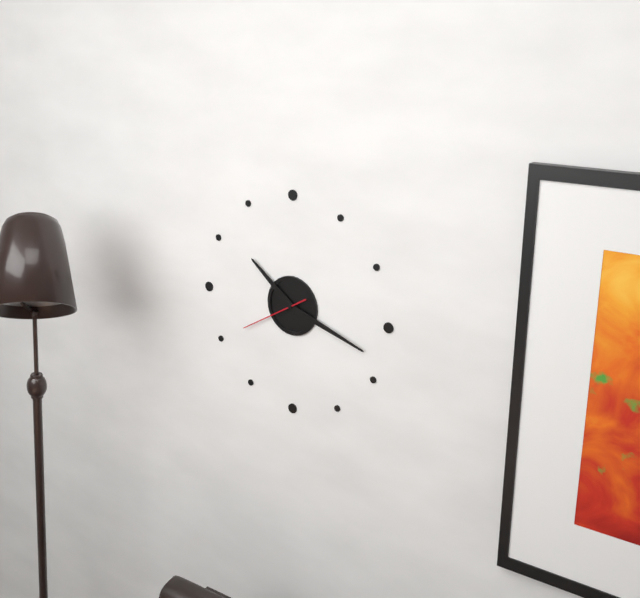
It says 10h18m40s
